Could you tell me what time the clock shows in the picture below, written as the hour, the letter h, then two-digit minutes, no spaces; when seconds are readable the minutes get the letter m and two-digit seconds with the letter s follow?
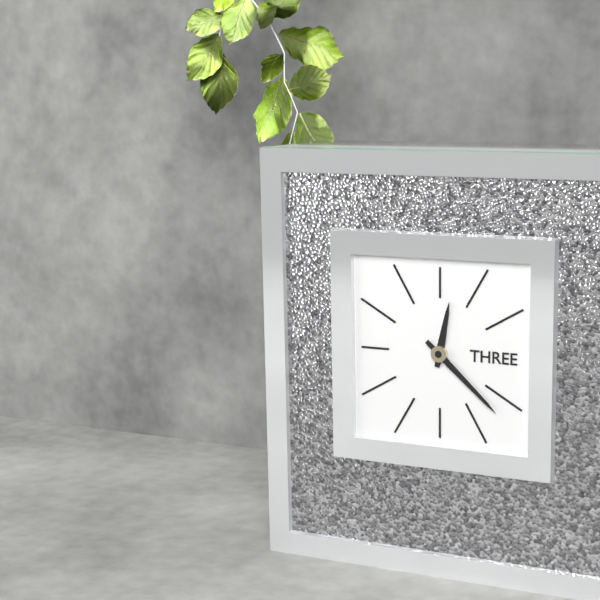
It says 12h22
